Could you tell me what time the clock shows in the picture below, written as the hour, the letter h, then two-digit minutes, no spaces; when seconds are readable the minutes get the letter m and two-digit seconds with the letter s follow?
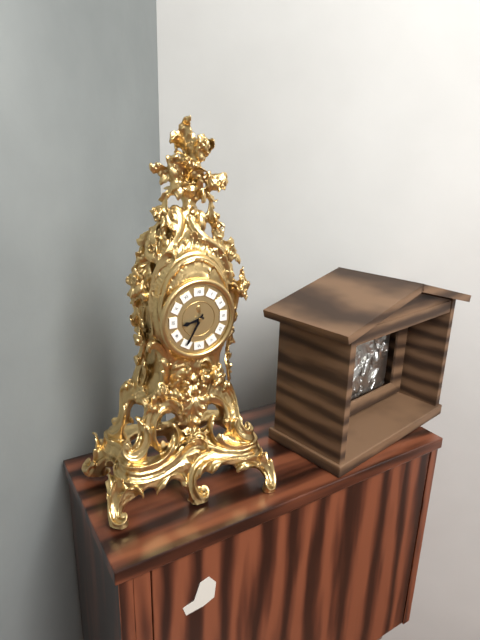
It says 8h35
